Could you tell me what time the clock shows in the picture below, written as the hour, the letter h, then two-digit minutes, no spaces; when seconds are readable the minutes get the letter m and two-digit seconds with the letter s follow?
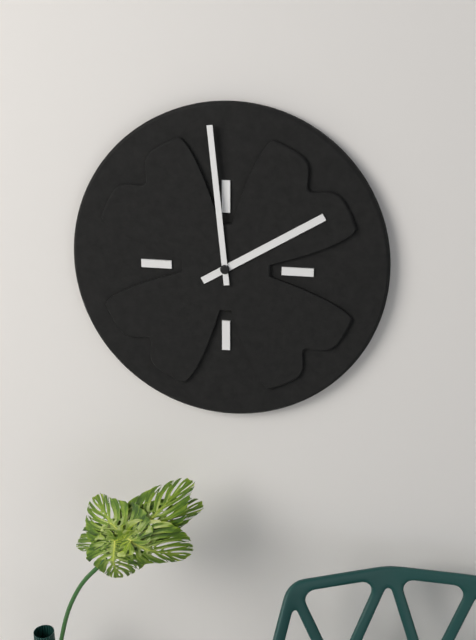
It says 1h59
